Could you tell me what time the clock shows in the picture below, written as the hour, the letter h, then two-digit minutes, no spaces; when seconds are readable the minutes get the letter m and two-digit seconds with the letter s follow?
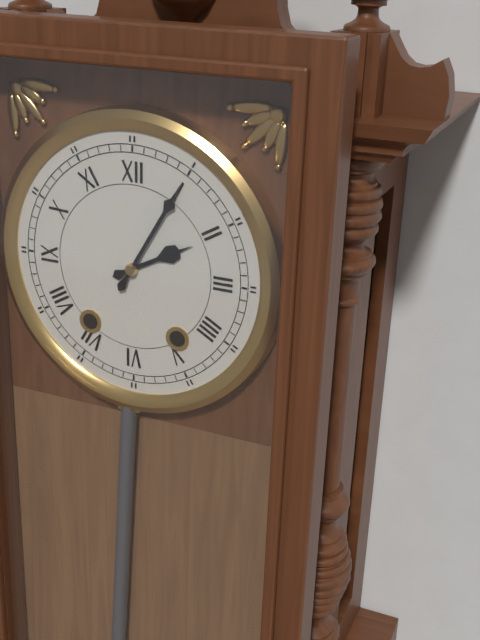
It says 2h05
